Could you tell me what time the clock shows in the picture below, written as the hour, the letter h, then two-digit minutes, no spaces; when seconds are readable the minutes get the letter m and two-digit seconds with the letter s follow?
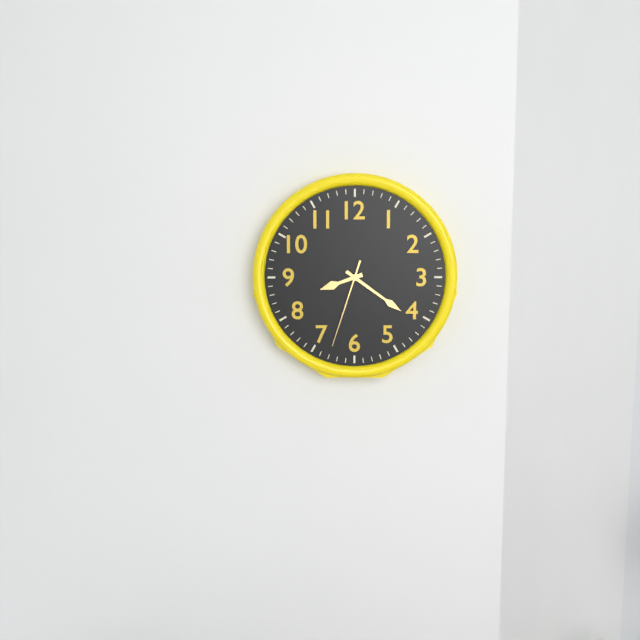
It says 8h21m33s
